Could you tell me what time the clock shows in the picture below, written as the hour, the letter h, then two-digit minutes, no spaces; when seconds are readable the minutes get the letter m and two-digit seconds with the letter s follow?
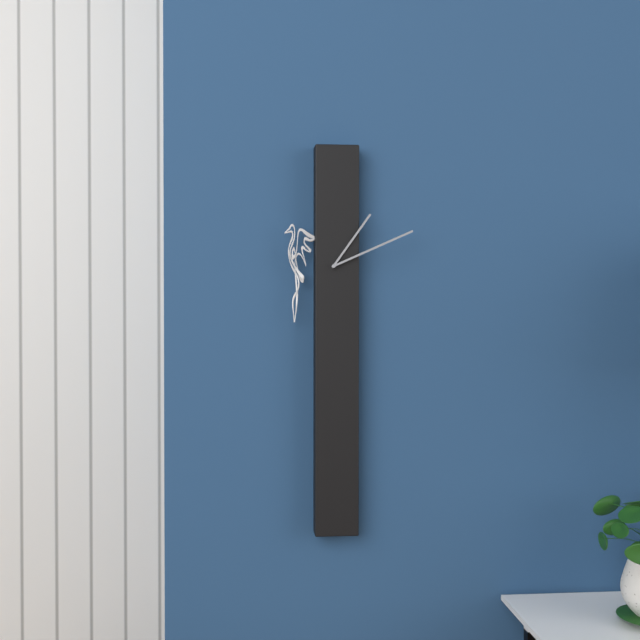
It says 1h11
